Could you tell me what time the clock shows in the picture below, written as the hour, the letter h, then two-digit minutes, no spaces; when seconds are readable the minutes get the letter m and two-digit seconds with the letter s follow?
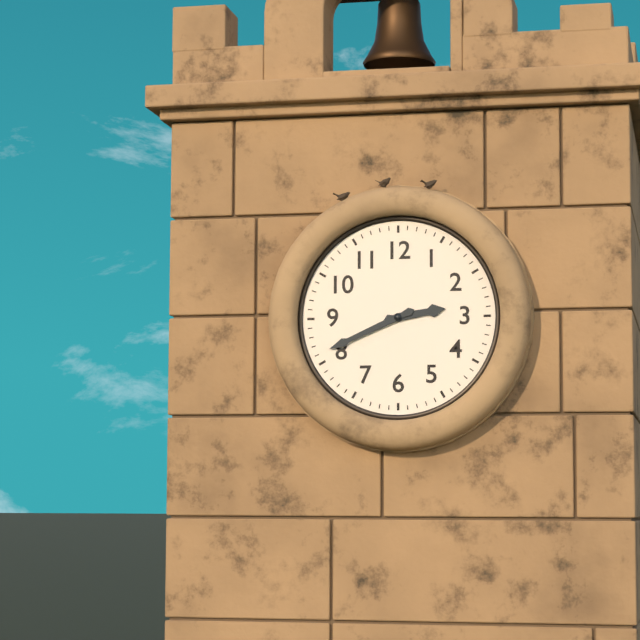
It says 2h41
